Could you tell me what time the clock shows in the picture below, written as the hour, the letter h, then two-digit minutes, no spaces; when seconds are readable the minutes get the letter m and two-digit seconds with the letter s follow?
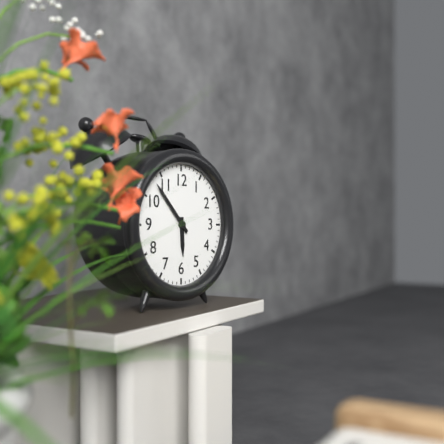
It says 5h53
